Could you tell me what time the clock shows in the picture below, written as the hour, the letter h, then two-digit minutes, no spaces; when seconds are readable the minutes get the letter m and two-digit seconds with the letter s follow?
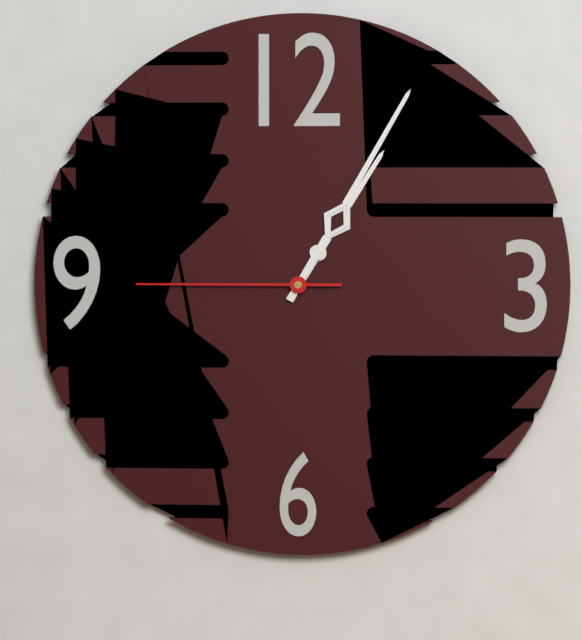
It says 1h05m45s
